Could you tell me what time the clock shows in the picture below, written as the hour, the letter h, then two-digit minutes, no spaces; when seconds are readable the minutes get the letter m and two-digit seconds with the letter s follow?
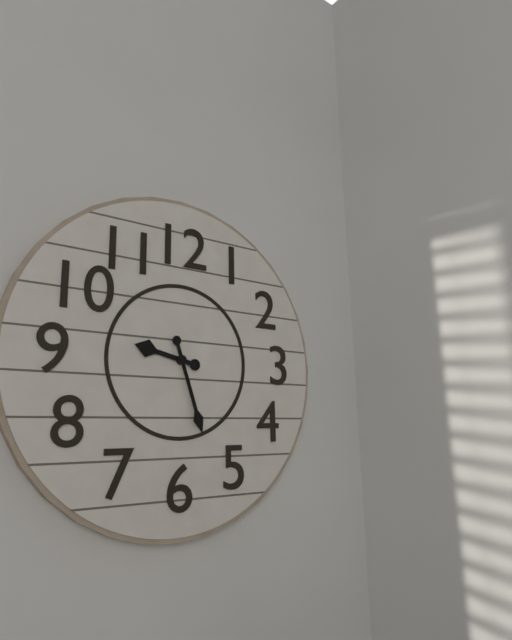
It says 9h27
